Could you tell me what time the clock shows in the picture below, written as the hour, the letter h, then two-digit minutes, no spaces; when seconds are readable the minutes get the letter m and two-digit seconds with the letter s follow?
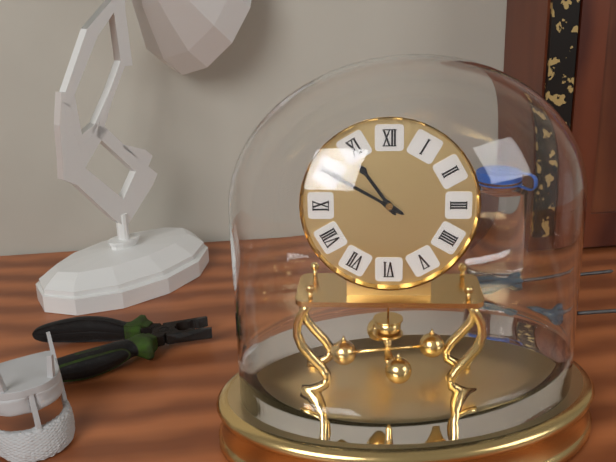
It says 10h50
